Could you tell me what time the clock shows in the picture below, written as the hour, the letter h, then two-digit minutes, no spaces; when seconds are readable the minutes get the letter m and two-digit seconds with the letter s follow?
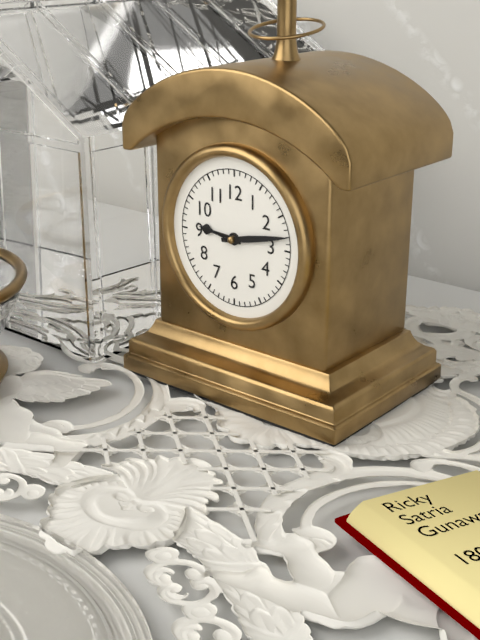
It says 9h13
